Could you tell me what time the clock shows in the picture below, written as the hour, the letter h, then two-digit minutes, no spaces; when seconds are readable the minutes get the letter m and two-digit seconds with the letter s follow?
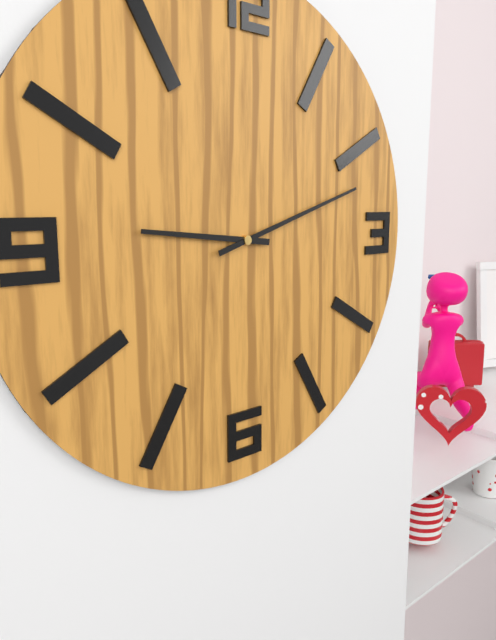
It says 9h12
